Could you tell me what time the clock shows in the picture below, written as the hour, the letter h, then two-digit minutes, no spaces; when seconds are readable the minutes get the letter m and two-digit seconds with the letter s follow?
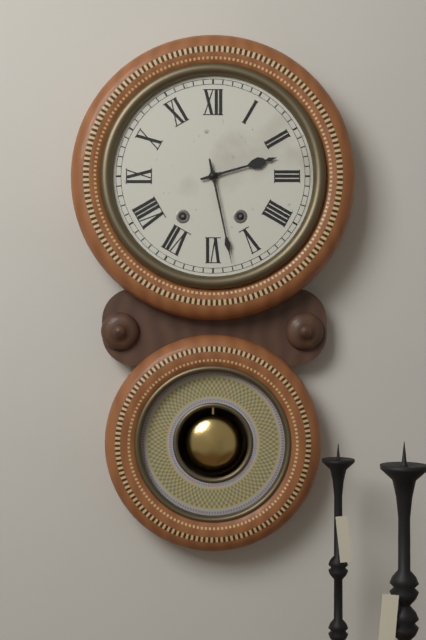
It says 2h28
